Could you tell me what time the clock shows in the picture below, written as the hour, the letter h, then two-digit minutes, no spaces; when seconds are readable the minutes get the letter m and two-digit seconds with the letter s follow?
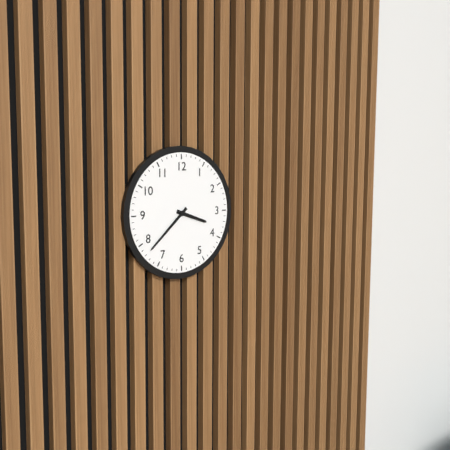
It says 3h38
